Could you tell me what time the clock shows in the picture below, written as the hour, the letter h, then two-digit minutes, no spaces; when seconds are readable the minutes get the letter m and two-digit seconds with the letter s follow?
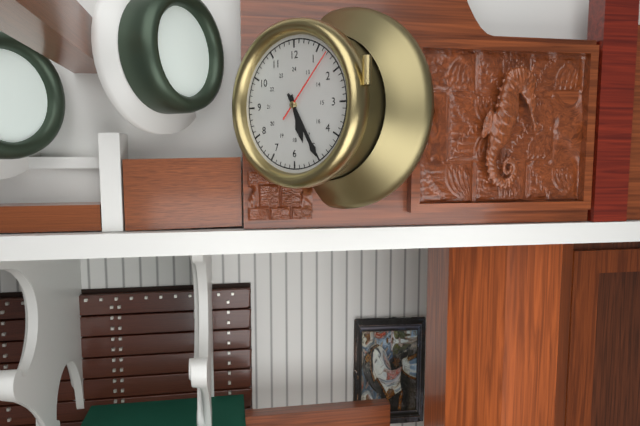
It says 5h25m07s
